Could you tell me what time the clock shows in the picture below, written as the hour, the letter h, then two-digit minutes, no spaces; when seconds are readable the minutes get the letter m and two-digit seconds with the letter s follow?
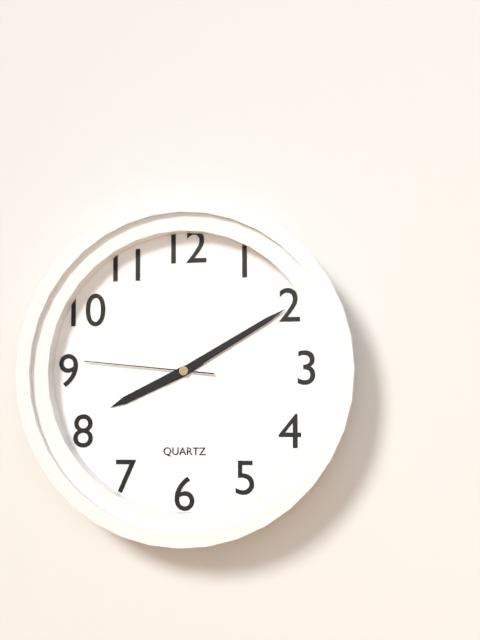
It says 8h10m46s
